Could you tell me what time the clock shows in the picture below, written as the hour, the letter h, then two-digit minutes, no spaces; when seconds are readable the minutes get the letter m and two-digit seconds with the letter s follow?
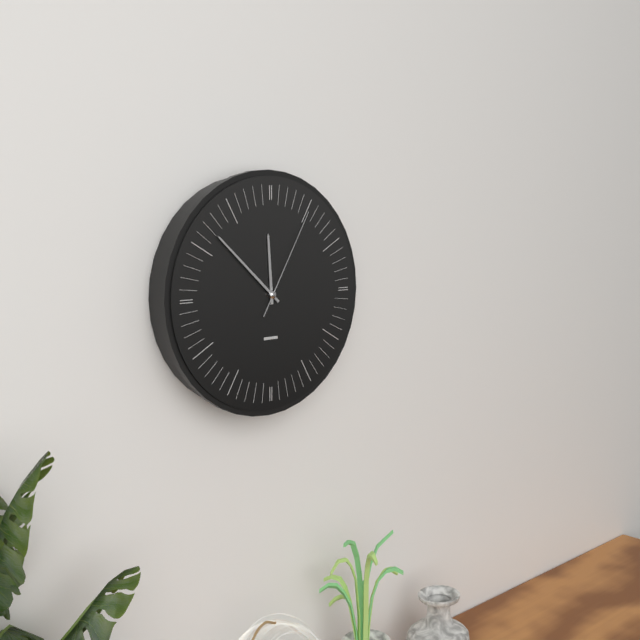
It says 11h52m05s
